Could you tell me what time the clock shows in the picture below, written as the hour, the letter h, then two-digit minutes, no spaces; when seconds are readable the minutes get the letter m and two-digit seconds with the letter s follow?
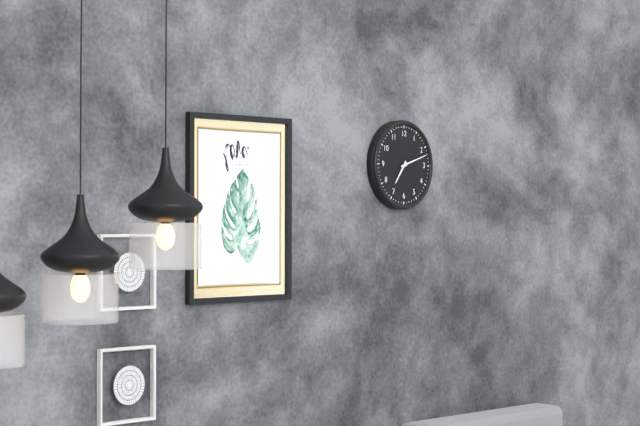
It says 7h12
